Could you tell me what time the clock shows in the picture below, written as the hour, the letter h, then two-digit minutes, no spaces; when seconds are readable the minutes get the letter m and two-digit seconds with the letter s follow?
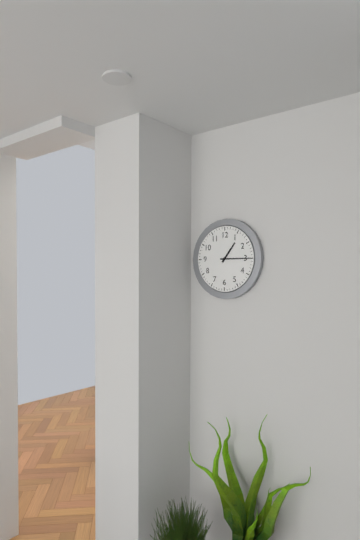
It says 1h15
